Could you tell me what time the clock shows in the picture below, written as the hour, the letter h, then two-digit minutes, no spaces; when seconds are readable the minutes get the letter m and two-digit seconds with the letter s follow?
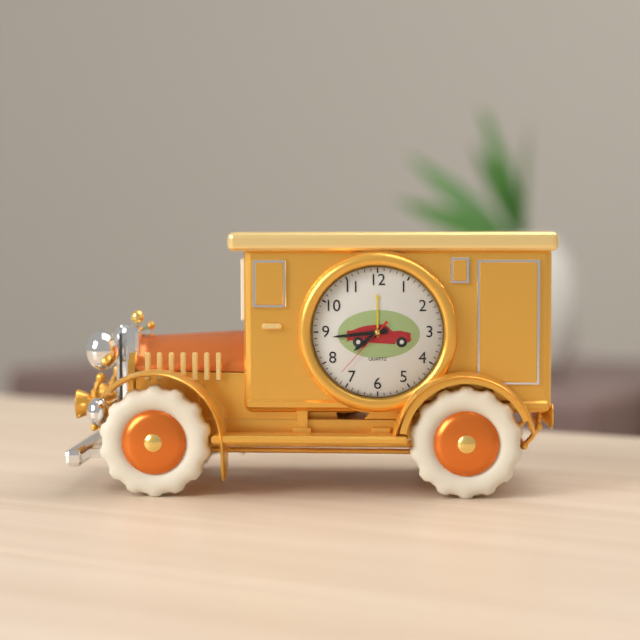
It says 7h44m37s
